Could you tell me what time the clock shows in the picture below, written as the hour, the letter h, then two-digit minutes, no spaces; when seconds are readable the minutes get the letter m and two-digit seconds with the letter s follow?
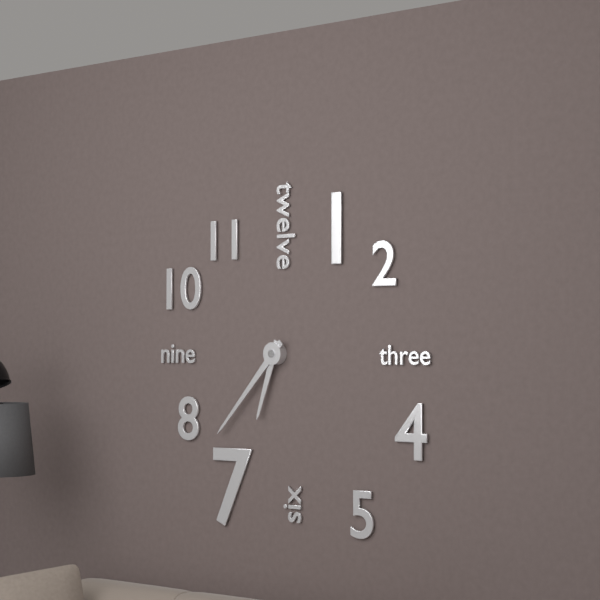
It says 6h37
